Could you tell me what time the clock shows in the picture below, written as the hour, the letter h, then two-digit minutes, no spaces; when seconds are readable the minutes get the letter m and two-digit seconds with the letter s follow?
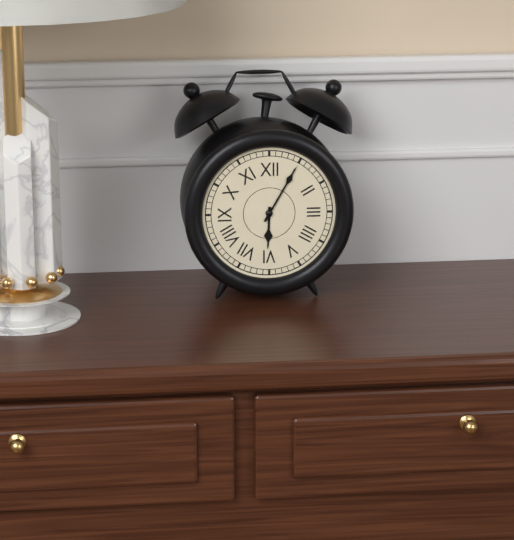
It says 6h05
